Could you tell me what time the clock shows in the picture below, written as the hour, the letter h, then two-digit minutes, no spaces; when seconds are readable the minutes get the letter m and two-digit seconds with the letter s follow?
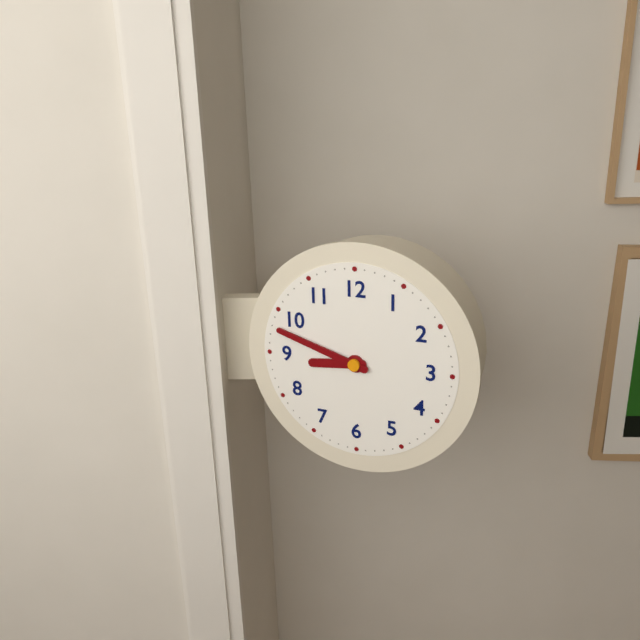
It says 8h48
